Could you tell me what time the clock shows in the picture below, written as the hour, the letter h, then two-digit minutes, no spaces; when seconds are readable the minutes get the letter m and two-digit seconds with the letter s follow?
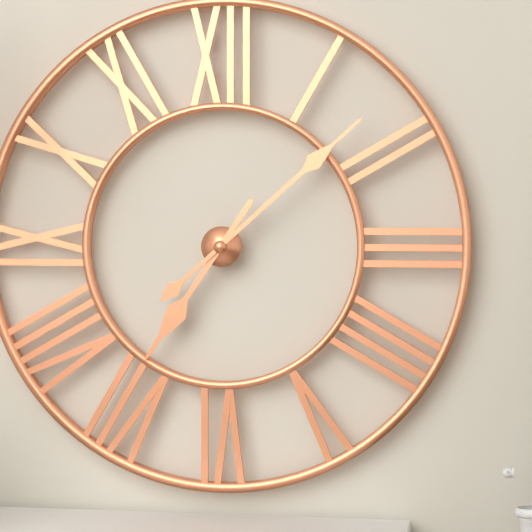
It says 7h08
